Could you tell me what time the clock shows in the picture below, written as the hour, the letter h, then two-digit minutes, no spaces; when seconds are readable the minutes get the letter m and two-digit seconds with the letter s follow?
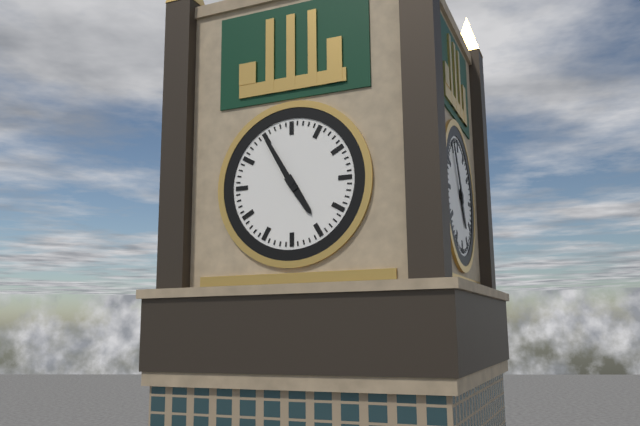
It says 4h55
